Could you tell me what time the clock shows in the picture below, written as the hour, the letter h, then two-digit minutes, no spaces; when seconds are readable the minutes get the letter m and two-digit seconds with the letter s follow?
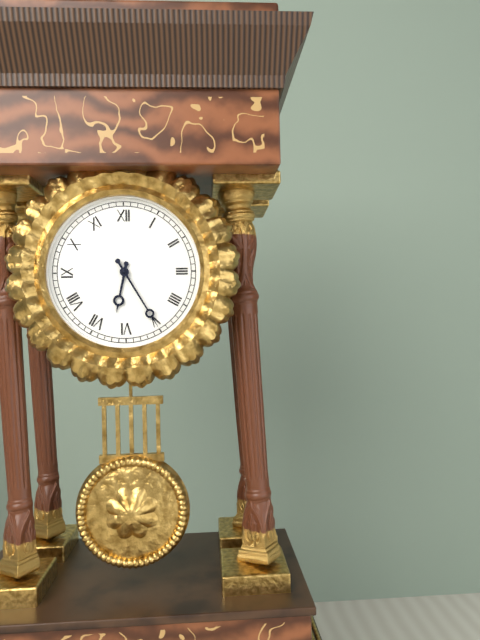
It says 6h25
